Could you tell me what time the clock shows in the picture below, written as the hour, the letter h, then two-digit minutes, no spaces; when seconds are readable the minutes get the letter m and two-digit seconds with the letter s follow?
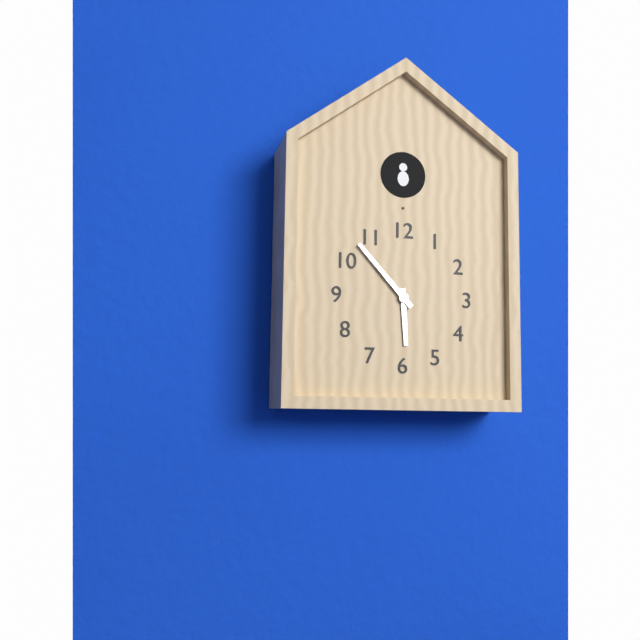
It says 5h53
